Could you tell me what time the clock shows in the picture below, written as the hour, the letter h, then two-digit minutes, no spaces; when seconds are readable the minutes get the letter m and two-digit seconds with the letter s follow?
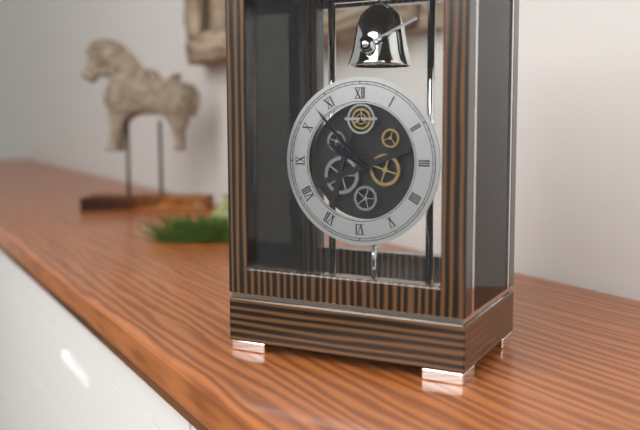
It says 9h53
